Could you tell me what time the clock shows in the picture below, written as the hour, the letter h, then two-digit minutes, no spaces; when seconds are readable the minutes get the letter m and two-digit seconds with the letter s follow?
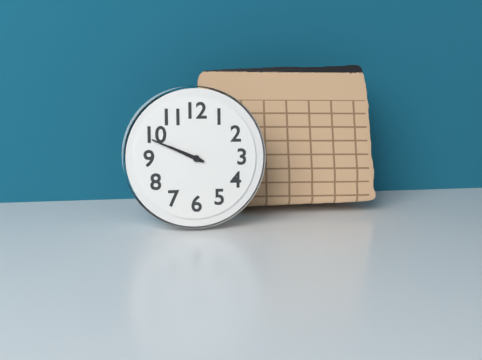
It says 9h49
